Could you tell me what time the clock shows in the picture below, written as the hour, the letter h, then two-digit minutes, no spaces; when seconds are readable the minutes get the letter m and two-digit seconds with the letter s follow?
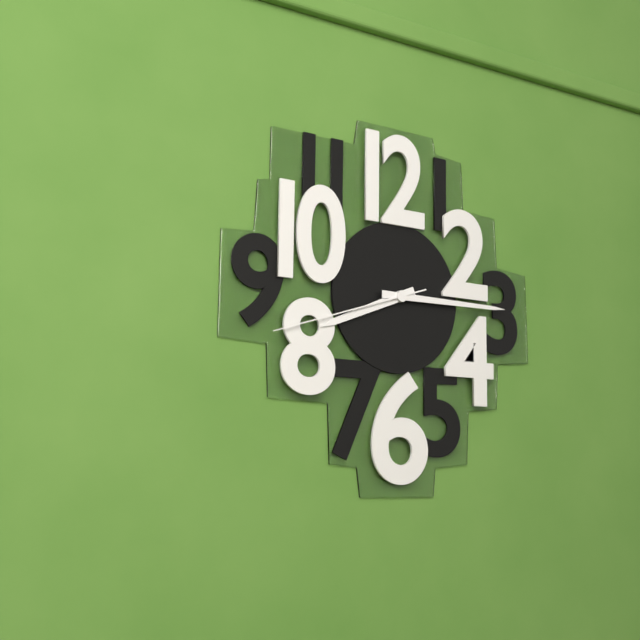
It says 8h15m42s
